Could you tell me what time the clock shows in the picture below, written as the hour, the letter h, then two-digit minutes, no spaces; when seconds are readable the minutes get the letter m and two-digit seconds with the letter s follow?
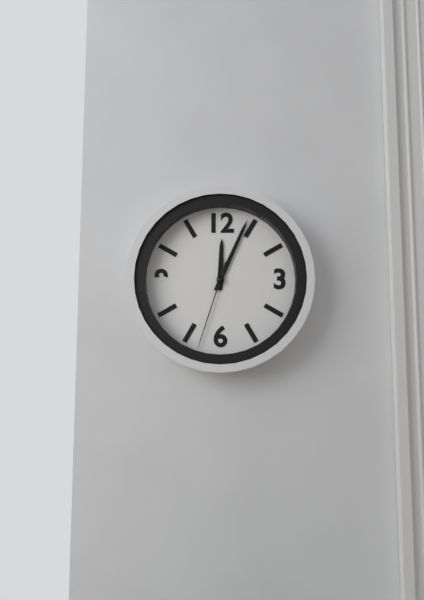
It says 12h04m33s
